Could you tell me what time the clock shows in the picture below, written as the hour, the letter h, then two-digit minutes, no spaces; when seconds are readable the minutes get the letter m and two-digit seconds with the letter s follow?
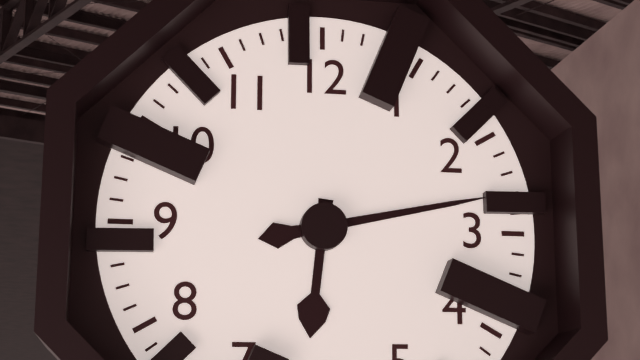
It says 6h13
